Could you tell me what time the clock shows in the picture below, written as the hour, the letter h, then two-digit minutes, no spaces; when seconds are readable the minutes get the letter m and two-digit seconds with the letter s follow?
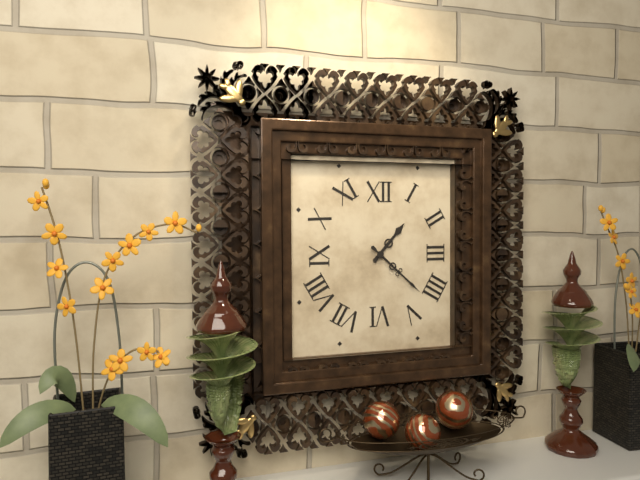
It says 1h22
